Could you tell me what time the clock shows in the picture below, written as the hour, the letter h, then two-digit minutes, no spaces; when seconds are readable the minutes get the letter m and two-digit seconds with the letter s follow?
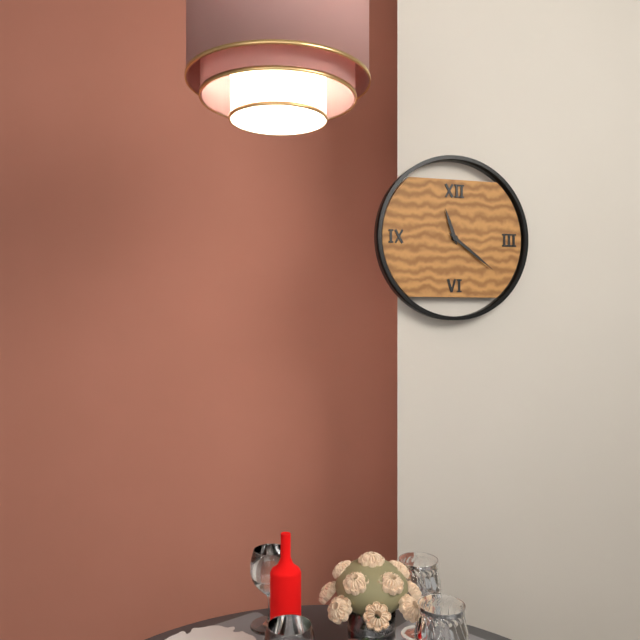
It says 11h21
